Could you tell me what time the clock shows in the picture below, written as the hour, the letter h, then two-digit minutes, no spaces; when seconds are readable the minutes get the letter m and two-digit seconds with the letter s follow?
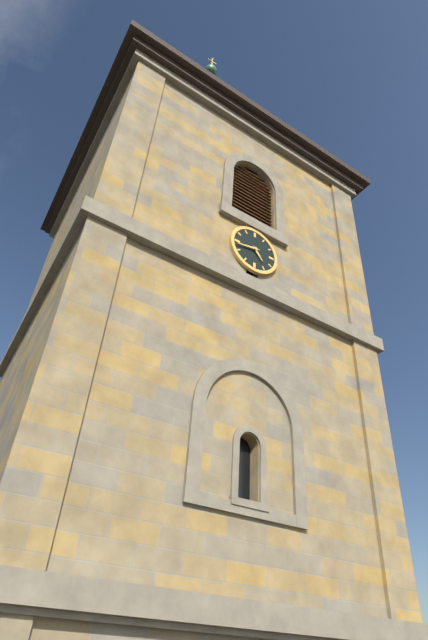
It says 4h43
